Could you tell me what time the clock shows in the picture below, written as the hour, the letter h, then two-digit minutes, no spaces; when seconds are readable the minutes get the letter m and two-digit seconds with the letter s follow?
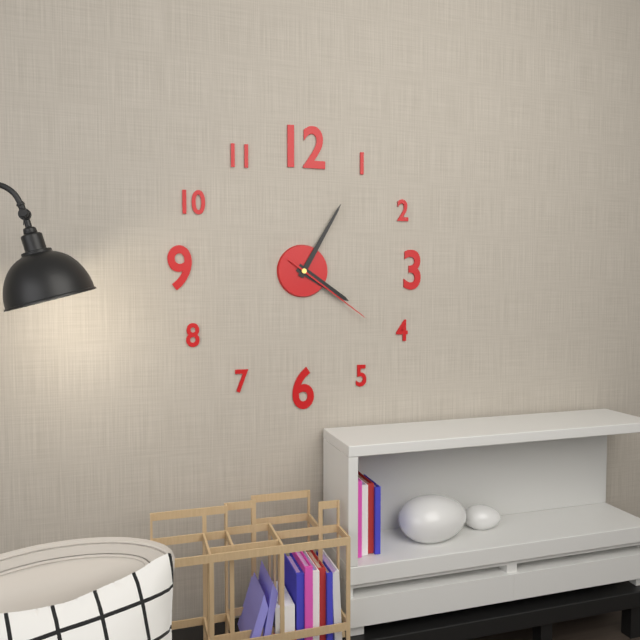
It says 4h05m21s
